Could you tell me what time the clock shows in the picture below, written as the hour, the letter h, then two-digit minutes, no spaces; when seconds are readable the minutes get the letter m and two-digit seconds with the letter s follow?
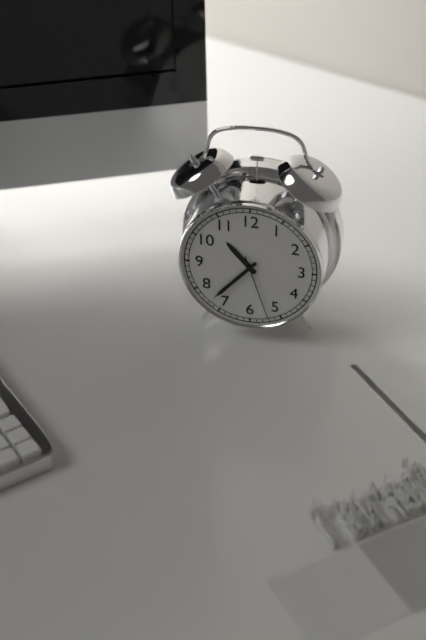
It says 10h37m27s
